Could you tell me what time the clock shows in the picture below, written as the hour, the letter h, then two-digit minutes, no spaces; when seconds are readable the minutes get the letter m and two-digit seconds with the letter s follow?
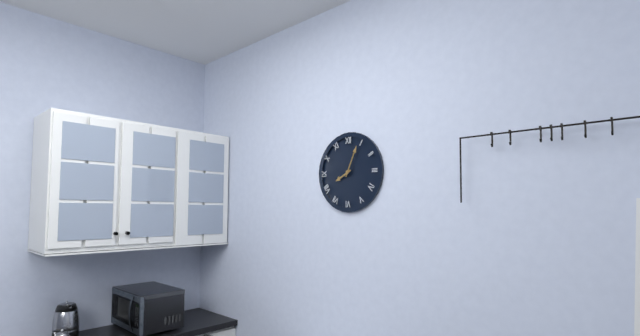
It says 8h04
